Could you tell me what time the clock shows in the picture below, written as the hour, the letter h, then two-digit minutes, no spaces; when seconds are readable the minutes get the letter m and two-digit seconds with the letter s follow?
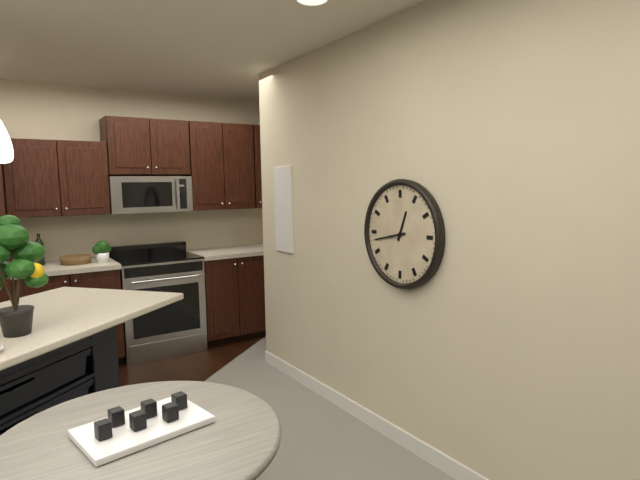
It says 12h43
